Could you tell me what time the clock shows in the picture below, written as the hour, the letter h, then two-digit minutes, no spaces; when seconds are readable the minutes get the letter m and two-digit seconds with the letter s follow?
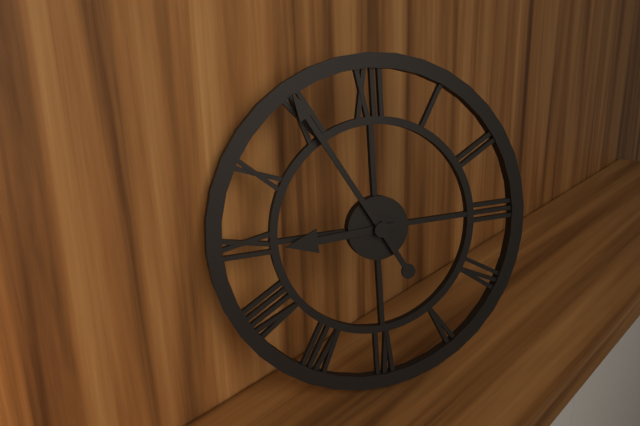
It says 8h55
